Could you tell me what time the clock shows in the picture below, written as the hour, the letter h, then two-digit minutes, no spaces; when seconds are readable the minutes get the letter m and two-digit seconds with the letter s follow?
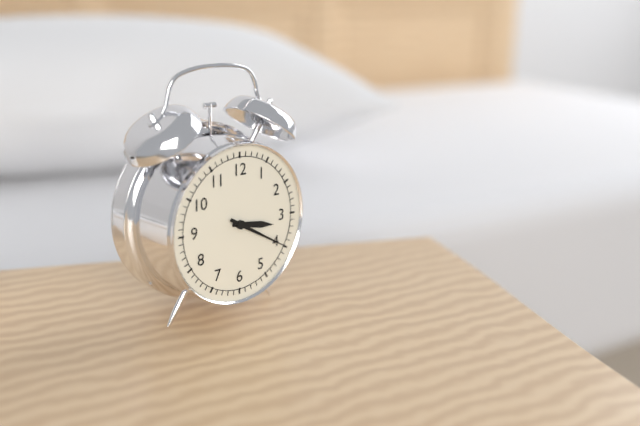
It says 3h20
